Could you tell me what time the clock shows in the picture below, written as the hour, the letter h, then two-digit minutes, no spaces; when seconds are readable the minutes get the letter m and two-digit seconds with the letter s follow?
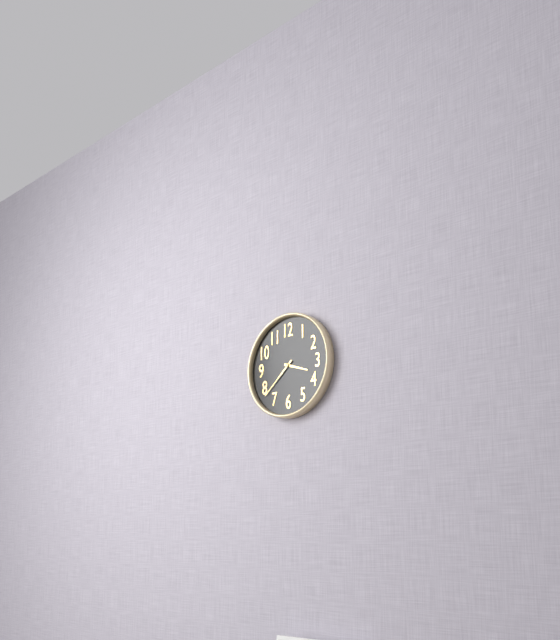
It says 3h38
